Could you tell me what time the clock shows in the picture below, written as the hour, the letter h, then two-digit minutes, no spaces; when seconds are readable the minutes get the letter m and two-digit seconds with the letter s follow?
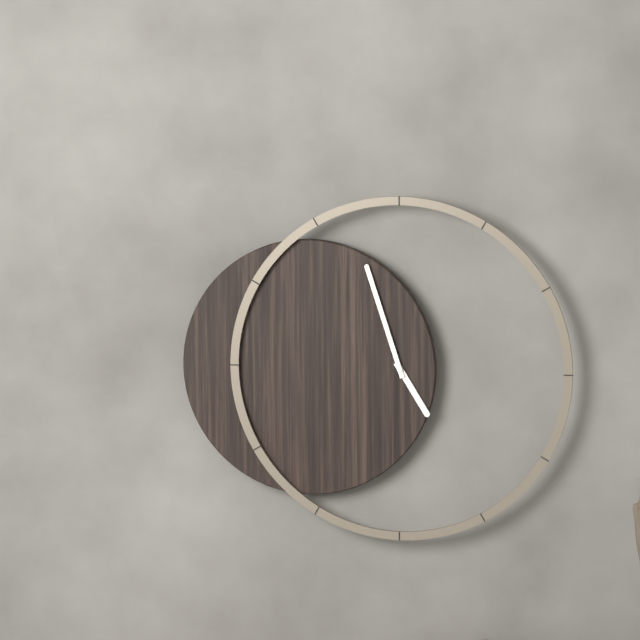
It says 4h57
